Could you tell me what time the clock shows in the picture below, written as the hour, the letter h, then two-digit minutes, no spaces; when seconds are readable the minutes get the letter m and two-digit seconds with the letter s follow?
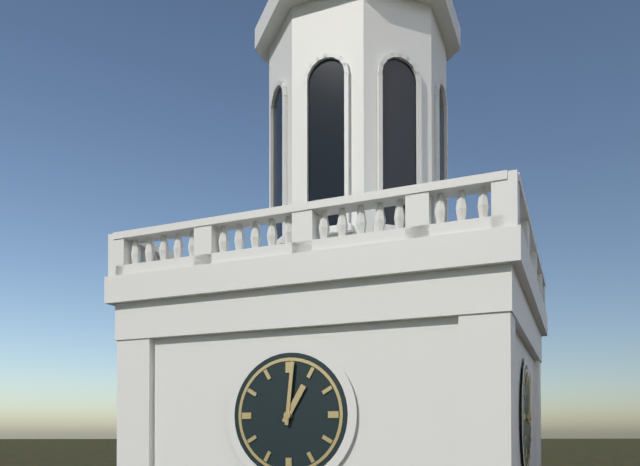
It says 1h01
